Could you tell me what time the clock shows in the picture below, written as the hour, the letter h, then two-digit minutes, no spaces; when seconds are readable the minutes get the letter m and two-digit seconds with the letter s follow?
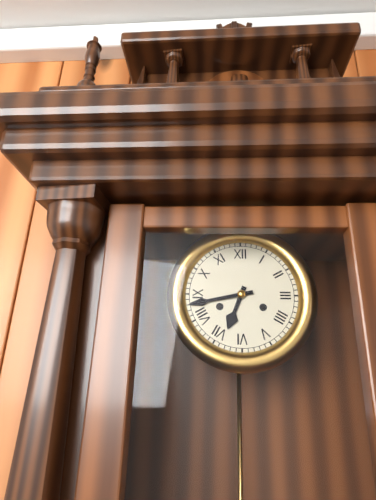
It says 6h43
